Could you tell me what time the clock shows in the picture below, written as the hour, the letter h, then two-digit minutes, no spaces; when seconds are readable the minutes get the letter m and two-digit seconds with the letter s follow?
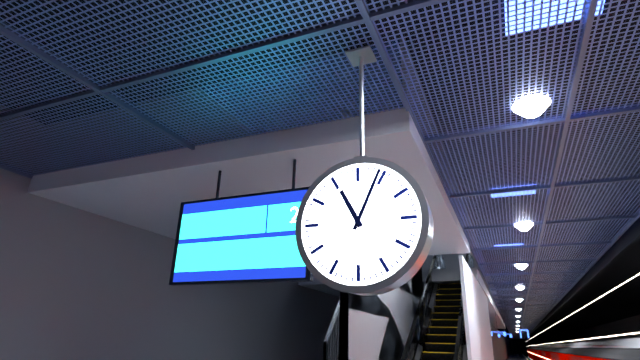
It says 11h04
